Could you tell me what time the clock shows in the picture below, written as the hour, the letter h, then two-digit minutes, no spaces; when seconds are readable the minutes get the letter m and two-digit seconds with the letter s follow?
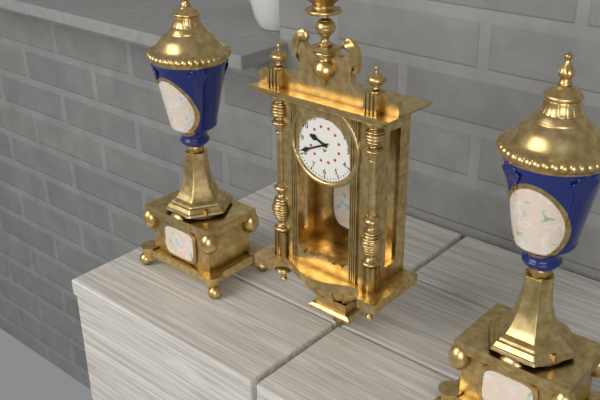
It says 9h41
